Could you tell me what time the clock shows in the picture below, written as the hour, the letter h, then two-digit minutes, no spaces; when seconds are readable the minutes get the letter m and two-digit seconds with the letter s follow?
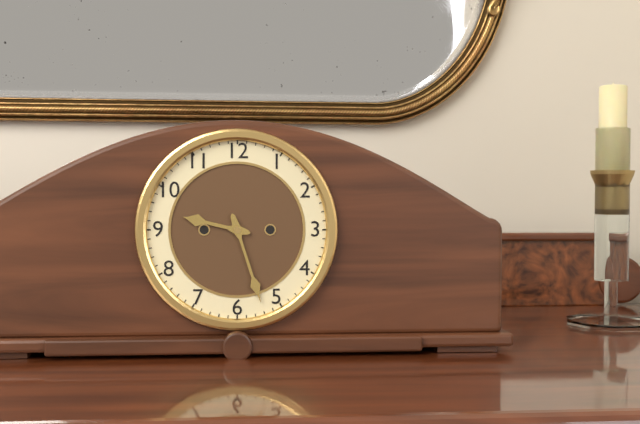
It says 9h27
